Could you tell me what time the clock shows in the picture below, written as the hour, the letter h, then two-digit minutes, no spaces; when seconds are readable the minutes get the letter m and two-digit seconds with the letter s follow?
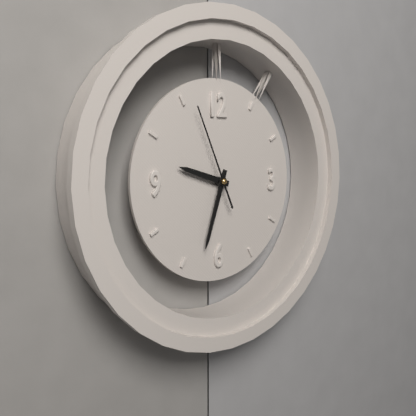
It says 9h33m56s
